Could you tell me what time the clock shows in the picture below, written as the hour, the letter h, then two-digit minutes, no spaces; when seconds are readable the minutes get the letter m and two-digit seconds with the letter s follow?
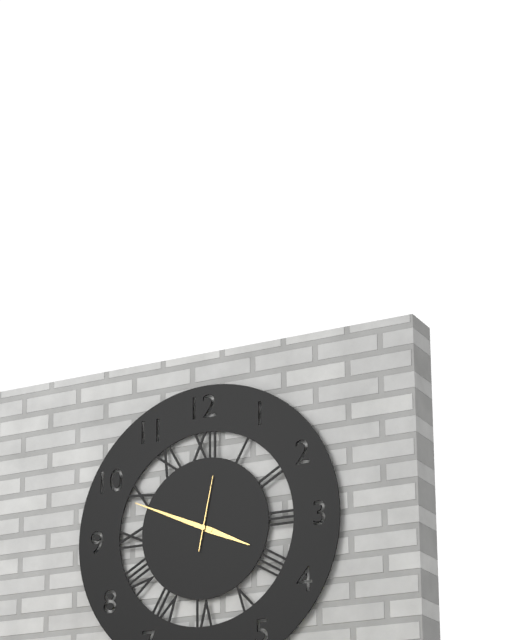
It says 3h49m02s
